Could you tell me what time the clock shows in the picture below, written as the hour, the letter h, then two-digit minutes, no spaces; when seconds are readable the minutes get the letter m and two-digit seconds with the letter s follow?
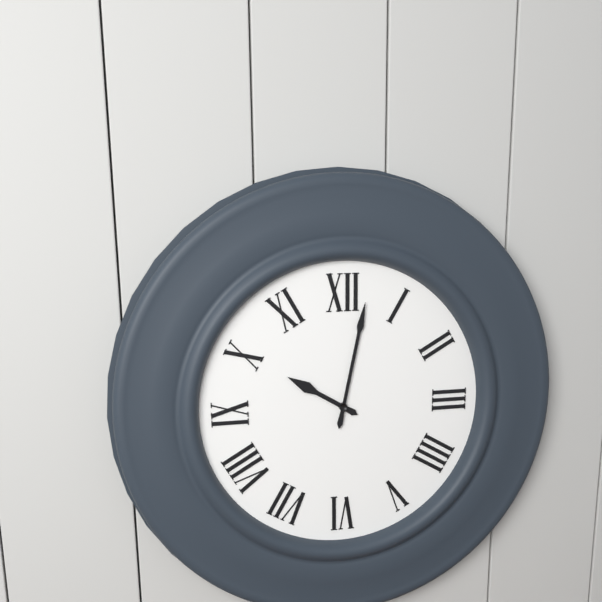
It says 10h02
